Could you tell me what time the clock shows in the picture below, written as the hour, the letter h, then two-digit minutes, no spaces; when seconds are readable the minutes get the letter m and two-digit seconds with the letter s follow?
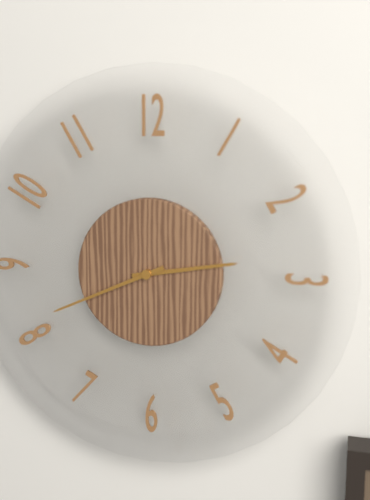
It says 2h41
